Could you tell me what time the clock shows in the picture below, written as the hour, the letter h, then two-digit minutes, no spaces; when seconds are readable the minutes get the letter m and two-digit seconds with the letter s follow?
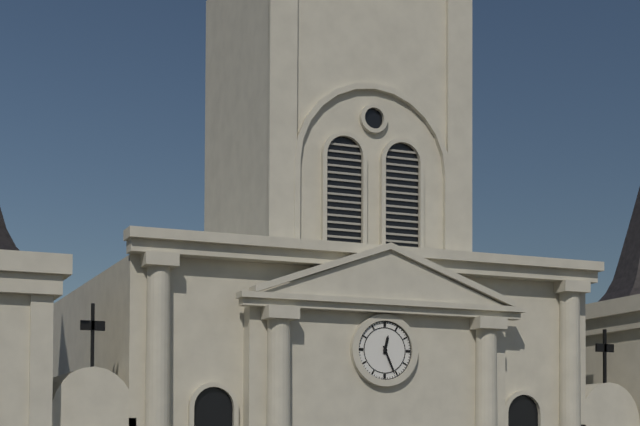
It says 12h26
